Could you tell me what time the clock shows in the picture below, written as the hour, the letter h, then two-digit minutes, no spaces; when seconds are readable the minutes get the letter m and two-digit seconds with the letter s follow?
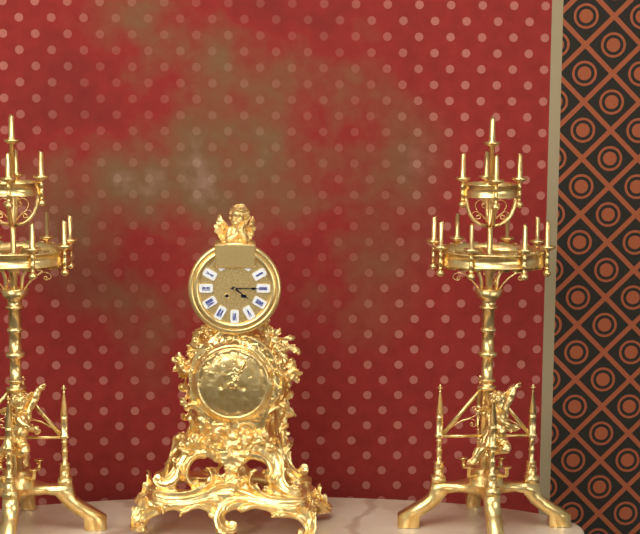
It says 4h15
